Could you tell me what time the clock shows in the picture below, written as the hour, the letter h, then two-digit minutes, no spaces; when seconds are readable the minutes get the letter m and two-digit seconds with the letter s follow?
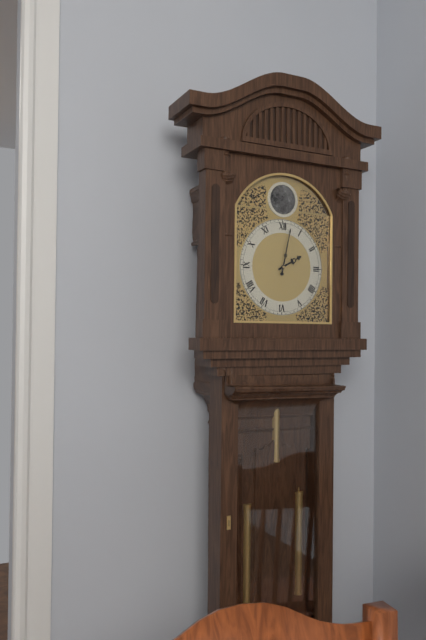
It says 2h02
